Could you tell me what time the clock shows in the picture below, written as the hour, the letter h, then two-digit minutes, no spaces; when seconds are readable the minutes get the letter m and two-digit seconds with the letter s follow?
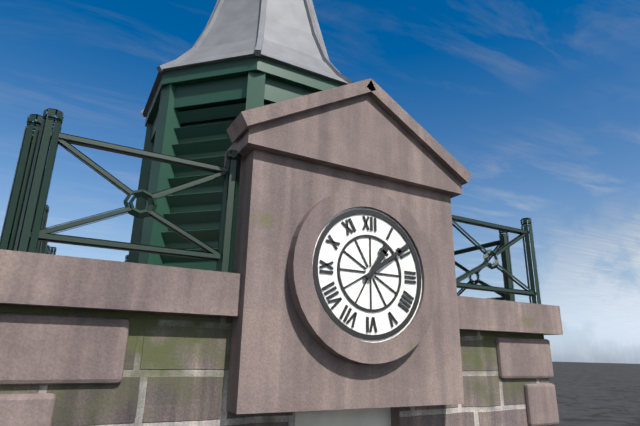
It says 1h09
